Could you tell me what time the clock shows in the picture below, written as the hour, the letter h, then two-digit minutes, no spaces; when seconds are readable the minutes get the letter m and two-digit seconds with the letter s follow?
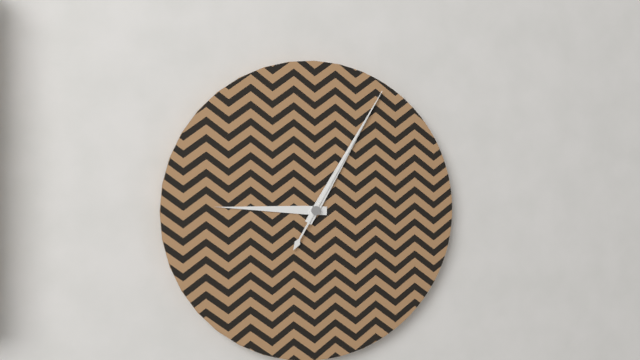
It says 9h05m05s
